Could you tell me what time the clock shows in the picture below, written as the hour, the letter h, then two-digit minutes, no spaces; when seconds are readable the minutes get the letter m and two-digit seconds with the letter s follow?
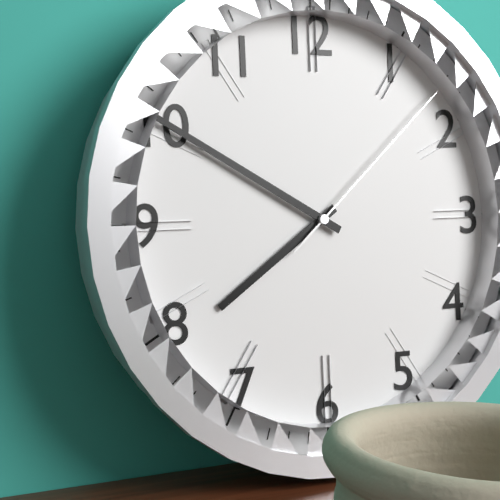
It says 7h50m08s
